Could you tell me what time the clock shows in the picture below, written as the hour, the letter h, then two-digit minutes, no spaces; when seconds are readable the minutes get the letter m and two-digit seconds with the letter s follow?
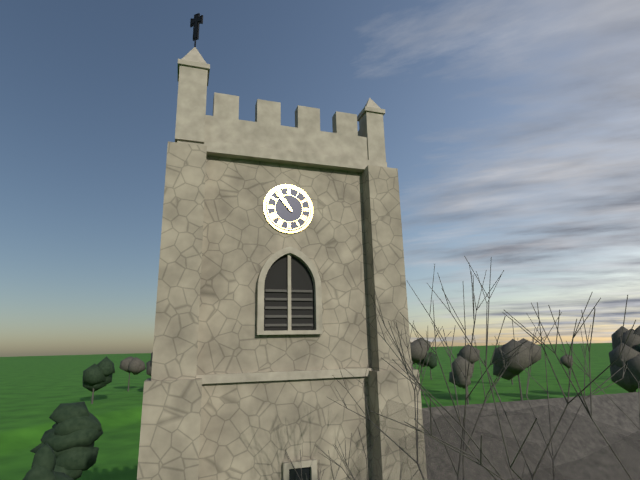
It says 10h53
